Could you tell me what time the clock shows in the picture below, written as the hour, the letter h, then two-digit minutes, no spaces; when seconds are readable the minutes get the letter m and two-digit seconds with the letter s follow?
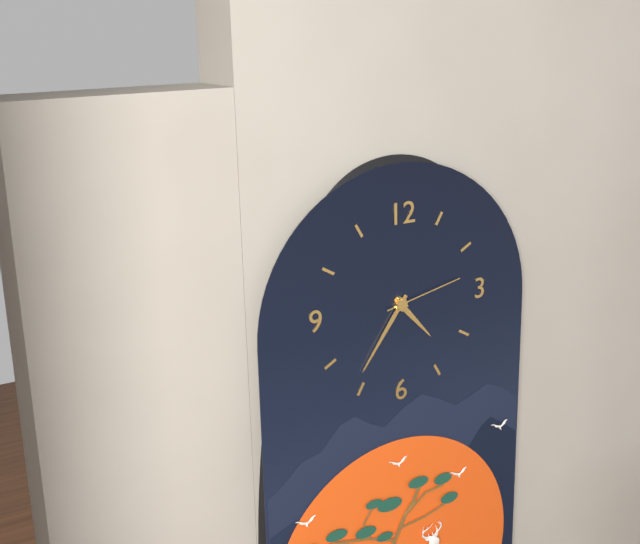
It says 4h36m13s
